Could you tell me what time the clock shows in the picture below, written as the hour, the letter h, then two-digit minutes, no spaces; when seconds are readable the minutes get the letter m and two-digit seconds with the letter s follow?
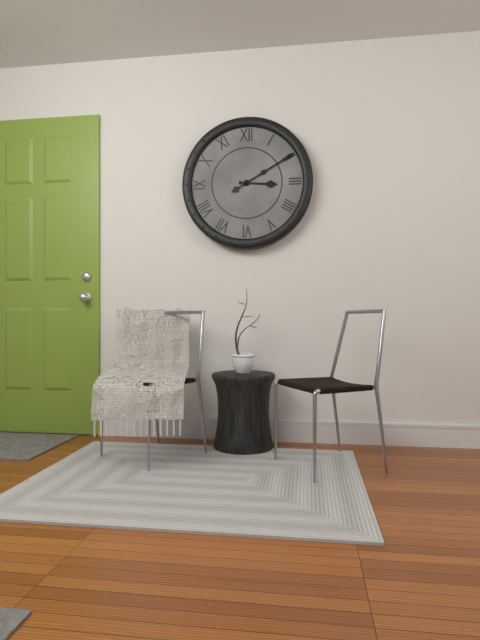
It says 3h10
